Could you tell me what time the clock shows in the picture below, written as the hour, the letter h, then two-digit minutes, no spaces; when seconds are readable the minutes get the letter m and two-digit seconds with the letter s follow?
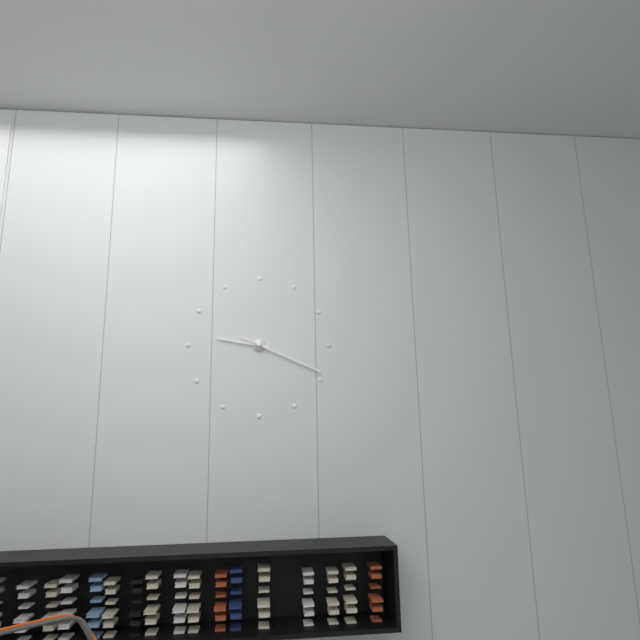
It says 9h19
